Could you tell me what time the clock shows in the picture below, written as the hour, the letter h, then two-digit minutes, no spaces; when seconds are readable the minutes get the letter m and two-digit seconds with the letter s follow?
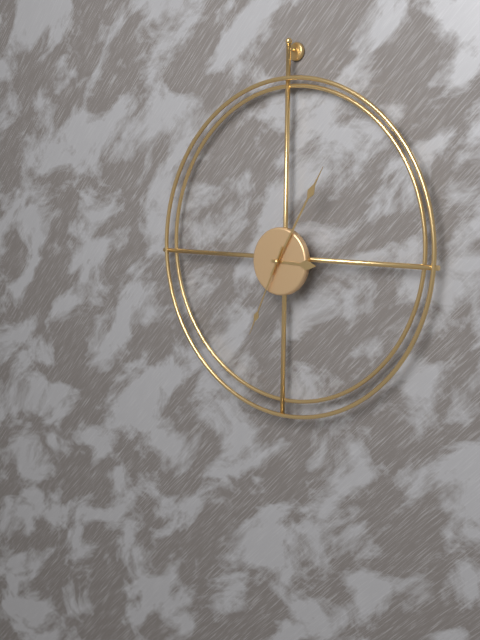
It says 3h05m34s
